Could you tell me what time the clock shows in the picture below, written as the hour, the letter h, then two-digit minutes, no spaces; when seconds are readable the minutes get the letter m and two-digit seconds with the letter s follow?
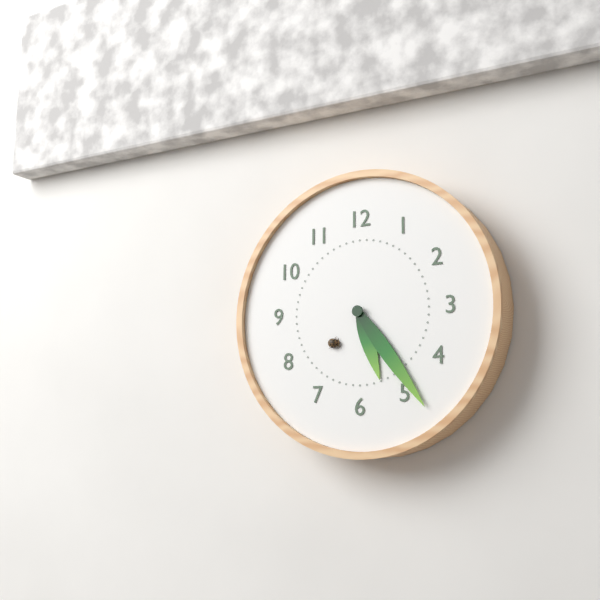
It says 5h24
